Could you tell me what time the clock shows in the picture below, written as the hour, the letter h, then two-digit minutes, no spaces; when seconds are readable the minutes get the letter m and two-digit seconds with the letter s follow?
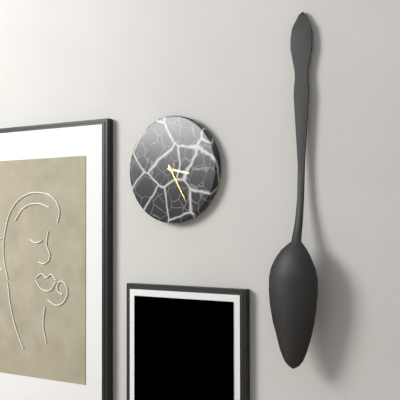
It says 3h25
